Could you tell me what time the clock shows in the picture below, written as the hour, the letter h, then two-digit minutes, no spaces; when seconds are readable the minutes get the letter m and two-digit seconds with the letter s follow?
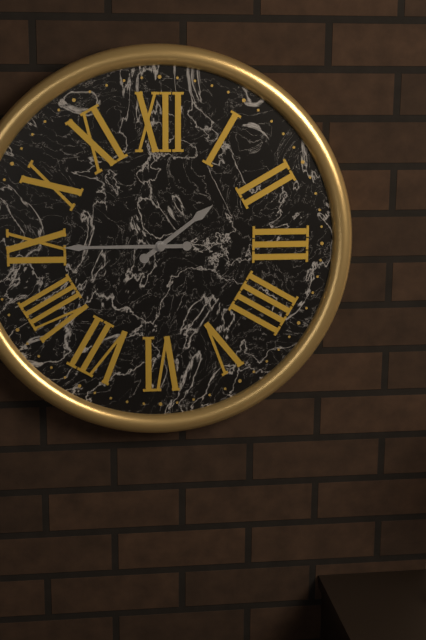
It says 1h45
